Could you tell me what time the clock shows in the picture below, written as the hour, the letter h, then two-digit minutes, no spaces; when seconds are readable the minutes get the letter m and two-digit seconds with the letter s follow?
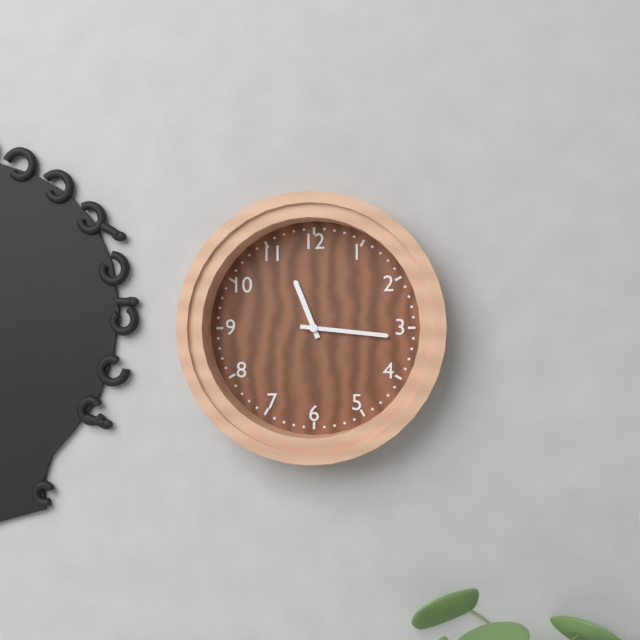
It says 11h16
